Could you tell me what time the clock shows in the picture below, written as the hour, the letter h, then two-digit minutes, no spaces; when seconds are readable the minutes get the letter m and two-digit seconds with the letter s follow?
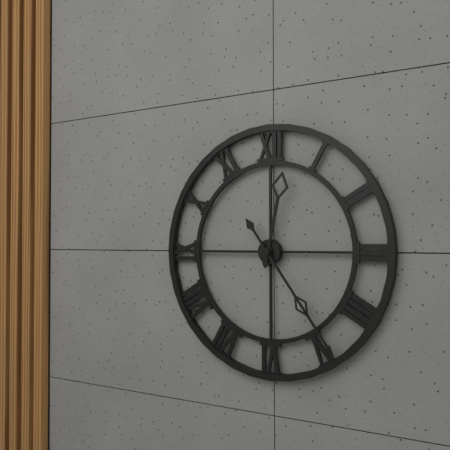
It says 12h24
